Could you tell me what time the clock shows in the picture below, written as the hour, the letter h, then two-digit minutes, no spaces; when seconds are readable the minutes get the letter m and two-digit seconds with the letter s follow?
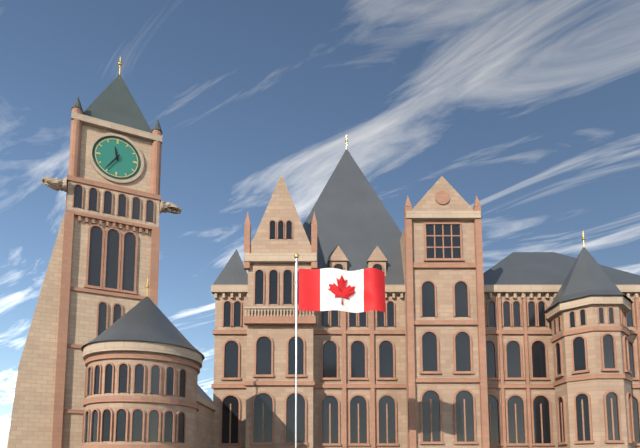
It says 11h36
